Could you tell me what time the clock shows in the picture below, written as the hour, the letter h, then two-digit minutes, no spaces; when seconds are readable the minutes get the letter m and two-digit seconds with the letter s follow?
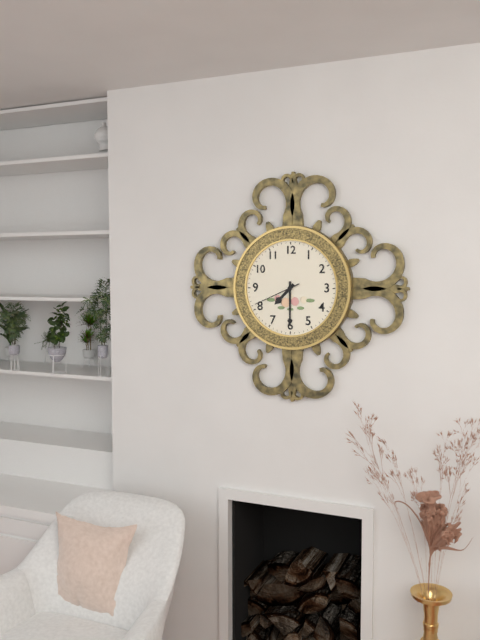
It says 7h30
